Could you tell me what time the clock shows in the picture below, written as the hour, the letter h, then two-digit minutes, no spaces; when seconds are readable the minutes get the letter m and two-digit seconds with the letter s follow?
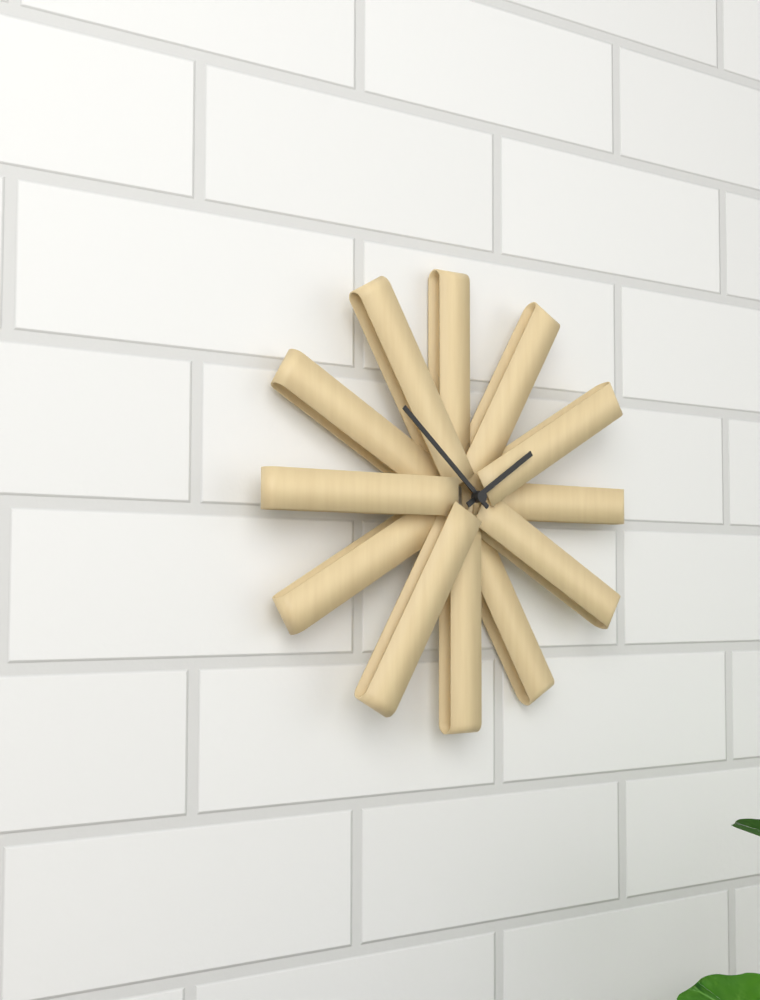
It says 1h52
